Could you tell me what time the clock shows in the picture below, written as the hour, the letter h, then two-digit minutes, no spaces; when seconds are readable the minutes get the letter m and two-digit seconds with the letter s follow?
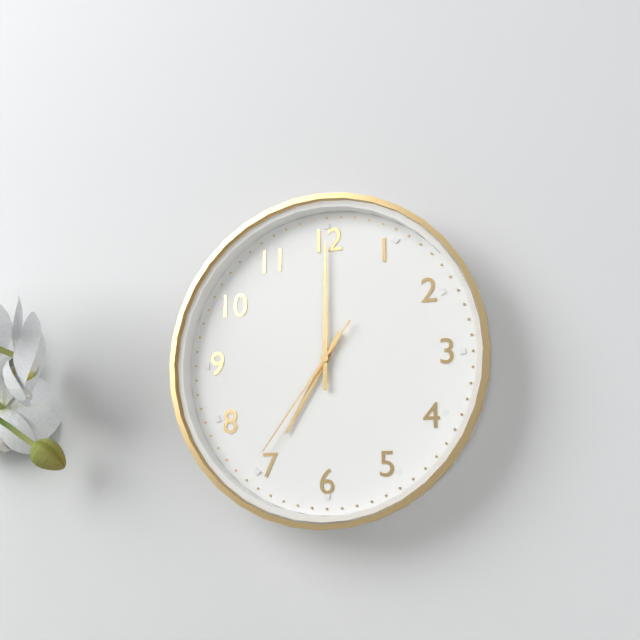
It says 7h00m36s
